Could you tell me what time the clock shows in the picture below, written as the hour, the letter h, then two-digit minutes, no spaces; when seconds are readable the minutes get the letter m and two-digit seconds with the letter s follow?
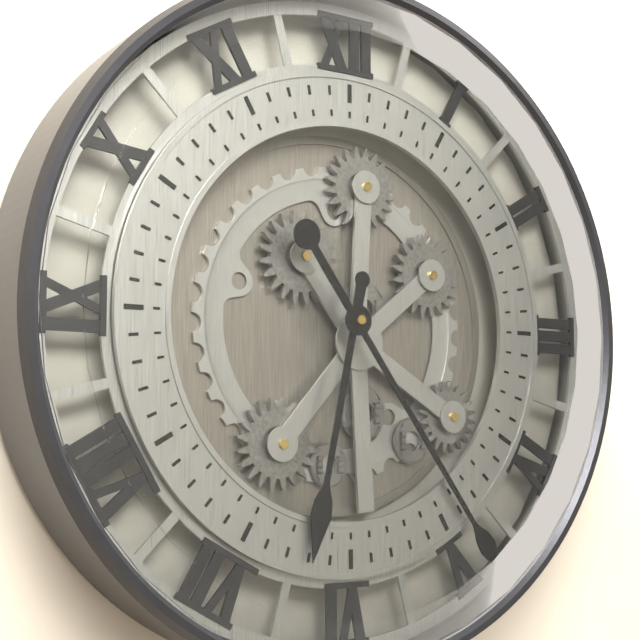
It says 6h24
